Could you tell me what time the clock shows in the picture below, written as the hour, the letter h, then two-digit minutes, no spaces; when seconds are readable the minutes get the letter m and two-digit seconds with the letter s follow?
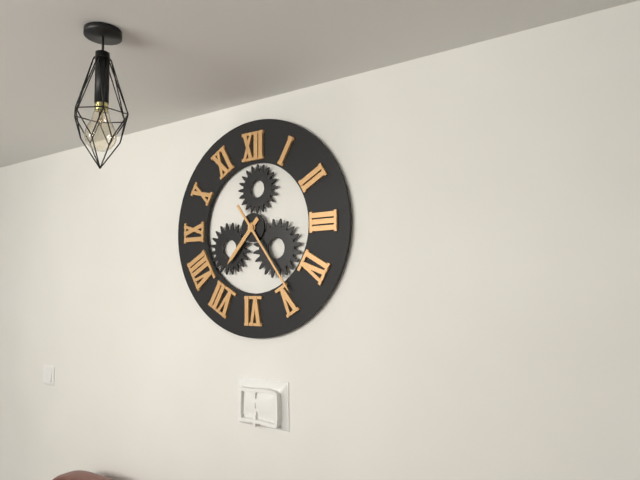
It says 7h24
